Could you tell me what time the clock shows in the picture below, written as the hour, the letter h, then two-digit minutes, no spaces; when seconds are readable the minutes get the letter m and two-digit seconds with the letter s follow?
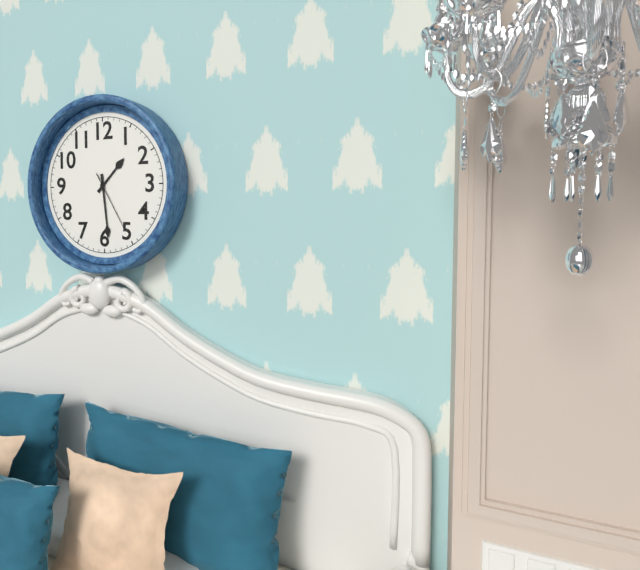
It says 1h29m25s
